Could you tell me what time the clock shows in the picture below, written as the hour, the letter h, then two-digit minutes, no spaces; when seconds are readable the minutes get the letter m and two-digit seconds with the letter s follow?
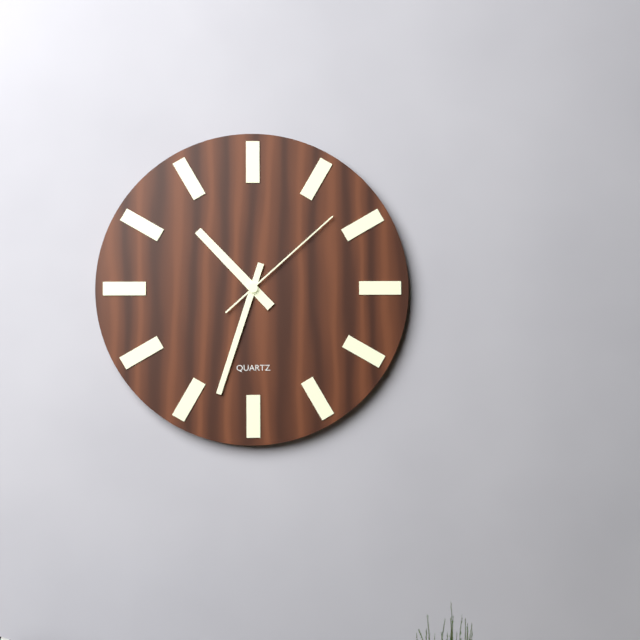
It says 10h33m08s
